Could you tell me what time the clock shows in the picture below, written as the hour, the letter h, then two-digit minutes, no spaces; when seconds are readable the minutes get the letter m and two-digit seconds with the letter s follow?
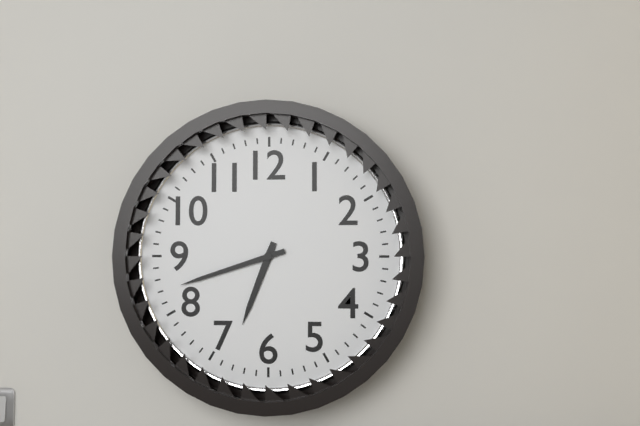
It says 6h42
